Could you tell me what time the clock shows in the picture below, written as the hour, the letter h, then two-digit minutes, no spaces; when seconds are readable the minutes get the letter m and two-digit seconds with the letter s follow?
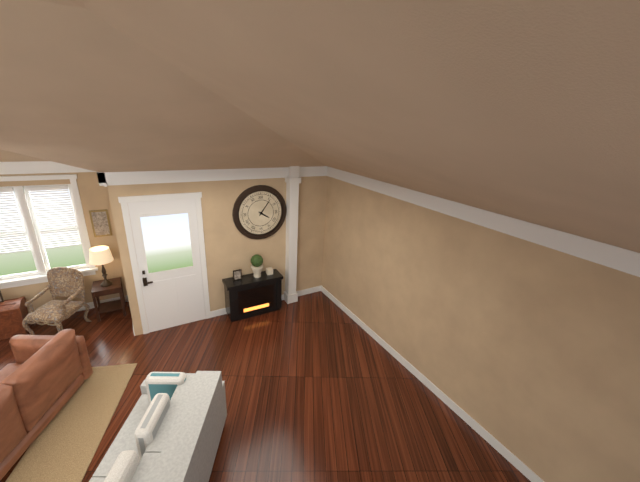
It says 4h06
